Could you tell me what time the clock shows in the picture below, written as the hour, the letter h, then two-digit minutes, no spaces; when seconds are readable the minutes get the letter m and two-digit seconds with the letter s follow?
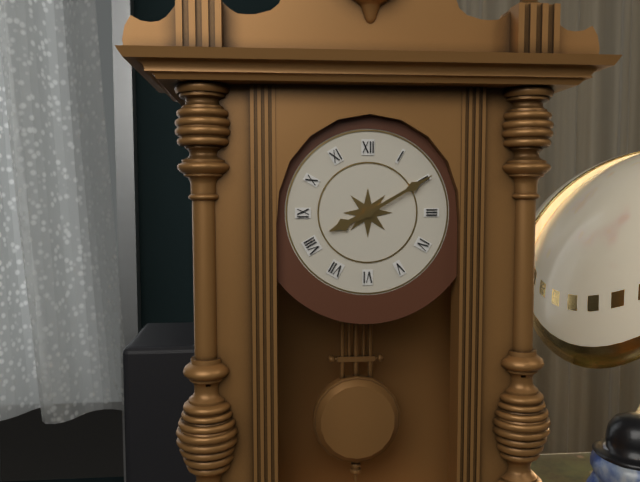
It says 8h10
